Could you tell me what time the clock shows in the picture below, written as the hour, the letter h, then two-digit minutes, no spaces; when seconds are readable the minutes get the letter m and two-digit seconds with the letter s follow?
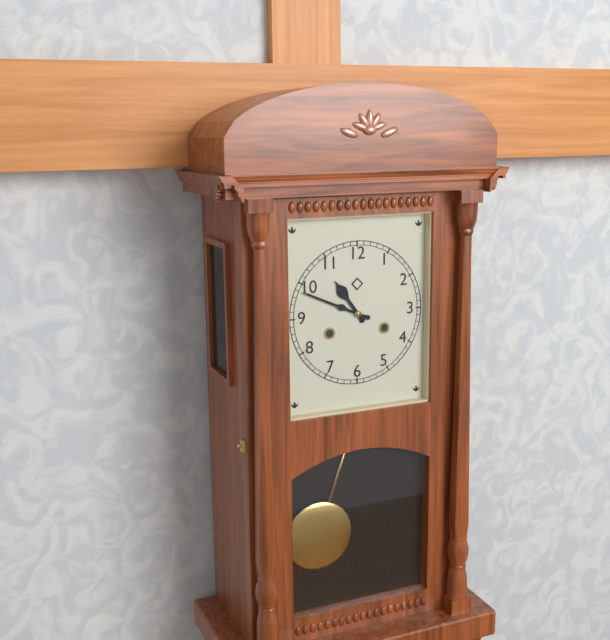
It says 10h49
